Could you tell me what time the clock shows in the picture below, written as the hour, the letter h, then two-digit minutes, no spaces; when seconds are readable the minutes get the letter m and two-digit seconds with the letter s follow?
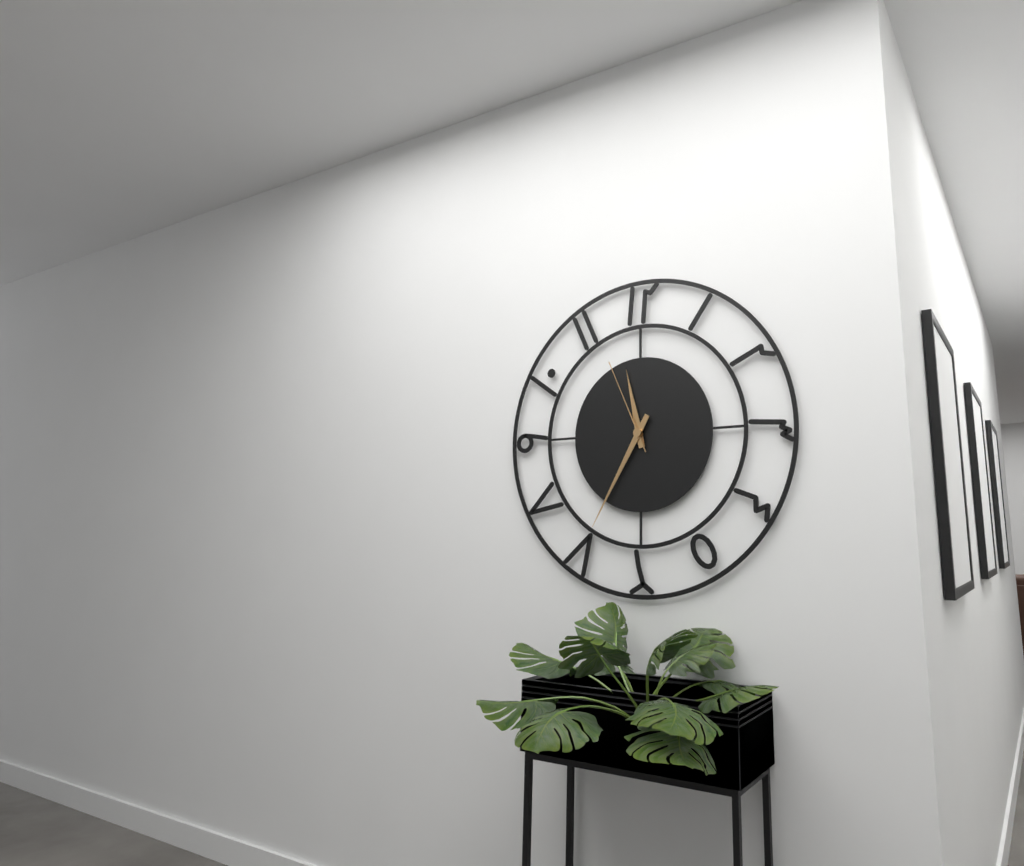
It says 11h35m56s
